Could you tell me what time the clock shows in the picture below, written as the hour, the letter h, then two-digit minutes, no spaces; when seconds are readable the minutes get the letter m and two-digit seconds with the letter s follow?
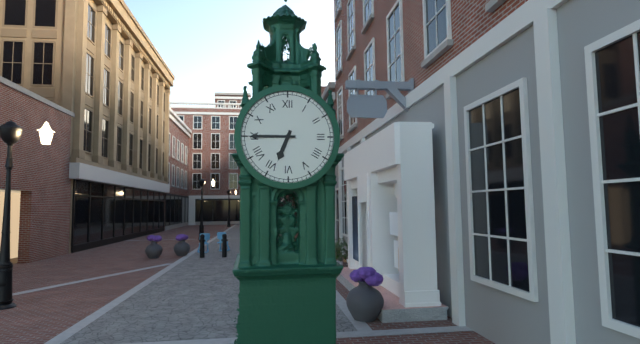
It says 6h45
